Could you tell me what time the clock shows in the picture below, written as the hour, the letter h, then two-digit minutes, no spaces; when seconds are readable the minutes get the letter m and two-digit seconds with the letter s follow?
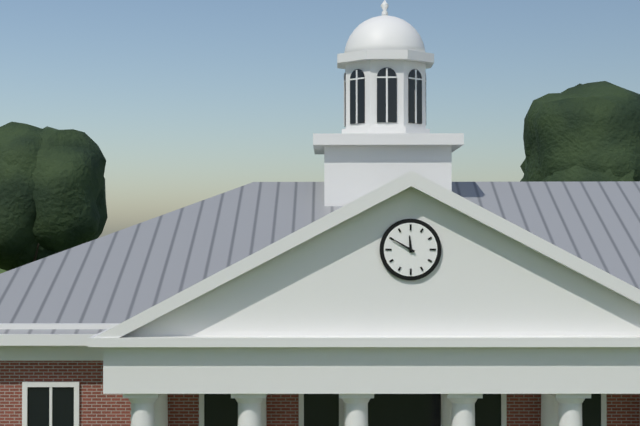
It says 11h50
